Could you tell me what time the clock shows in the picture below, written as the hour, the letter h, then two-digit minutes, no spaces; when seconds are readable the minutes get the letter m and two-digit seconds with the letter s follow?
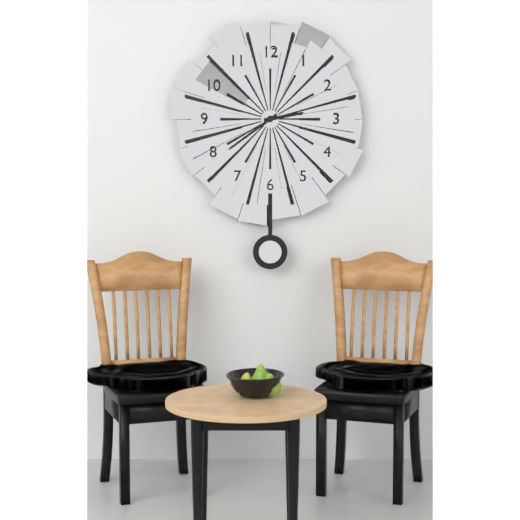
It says 2h39
